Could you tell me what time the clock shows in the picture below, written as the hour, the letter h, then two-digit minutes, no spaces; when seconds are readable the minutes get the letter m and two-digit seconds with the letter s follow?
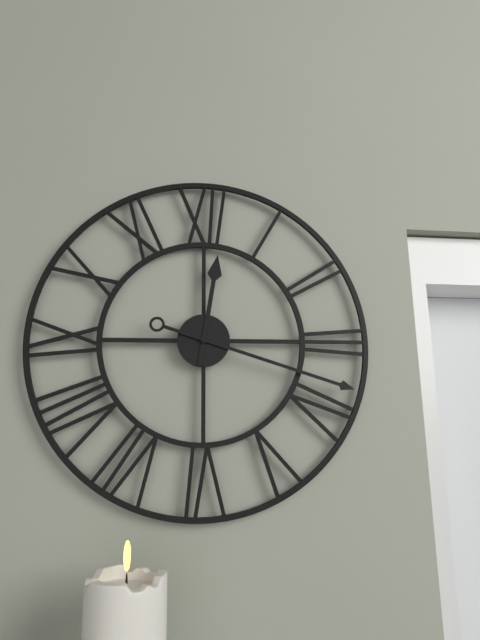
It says 12h18
